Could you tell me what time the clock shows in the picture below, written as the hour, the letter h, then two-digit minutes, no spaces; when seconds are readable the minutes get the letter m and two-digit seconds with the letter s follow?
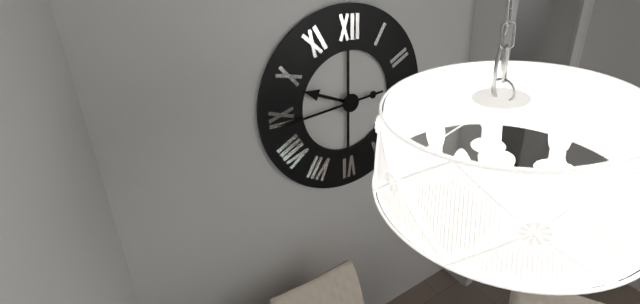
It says 9h44
